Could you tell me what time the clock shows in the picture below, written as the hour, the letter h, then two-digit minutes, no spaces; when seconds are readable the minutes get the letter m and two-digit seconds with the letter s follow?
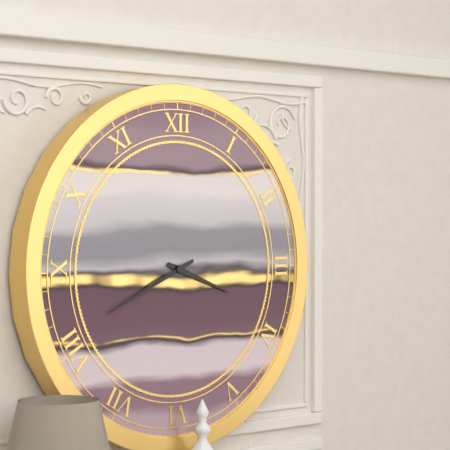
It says 3h41
